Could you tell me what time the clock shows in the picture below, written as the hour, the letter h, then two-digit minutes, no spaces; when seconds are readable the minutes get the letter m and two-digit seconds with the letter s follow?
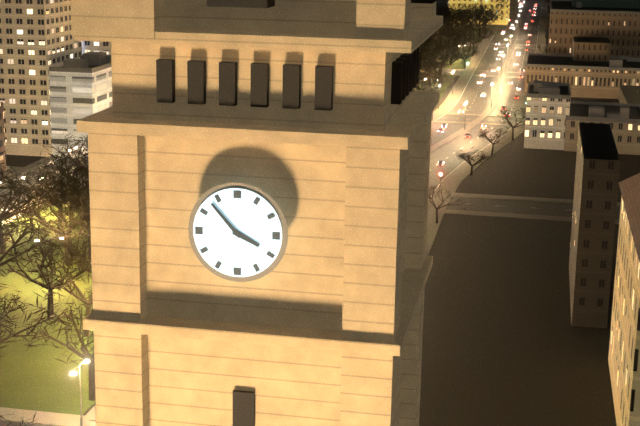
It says 3h53
